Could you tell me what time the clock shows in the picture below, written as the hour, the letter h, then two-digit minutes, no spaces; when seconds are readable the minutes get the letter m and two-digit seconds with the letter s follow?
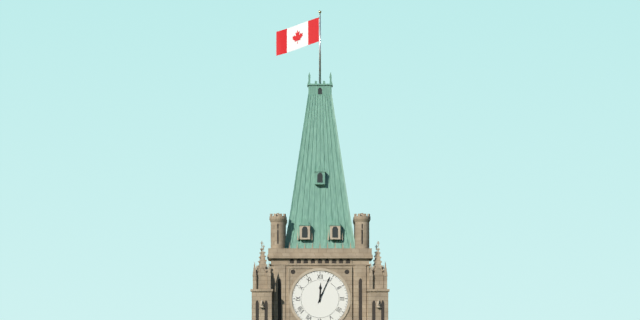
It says 12h04
